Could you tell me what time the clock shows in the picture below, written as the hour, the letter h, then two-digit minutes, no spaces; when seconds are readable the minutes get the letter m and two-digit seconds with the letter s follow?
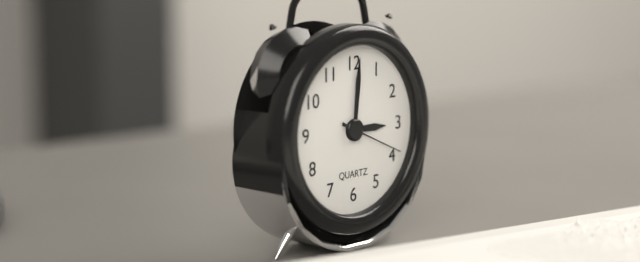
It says 3h01m19s
